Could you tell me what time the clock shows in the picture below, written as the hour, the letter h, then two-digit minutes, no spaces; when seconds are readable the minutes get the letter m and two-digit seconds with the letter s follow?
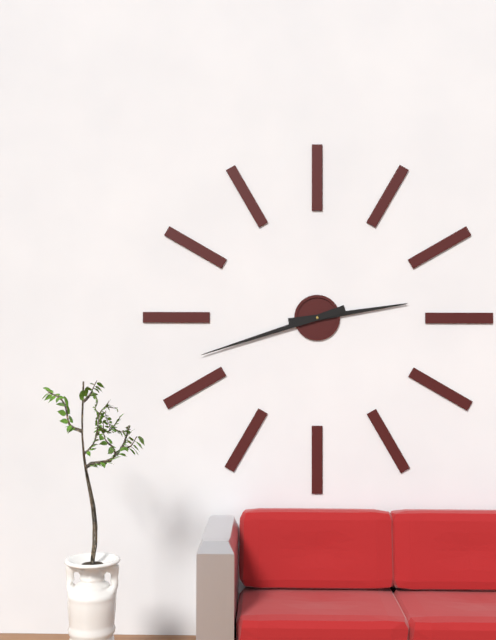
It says 2h42
